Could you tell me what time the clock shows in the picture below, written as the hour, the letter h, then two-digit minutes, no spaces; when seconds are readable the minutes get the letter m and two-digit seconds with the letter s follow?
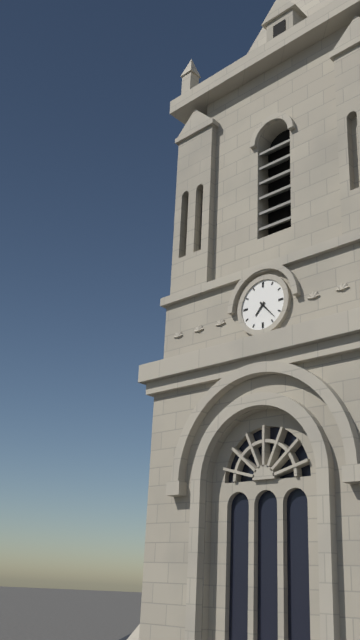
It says 7h23
